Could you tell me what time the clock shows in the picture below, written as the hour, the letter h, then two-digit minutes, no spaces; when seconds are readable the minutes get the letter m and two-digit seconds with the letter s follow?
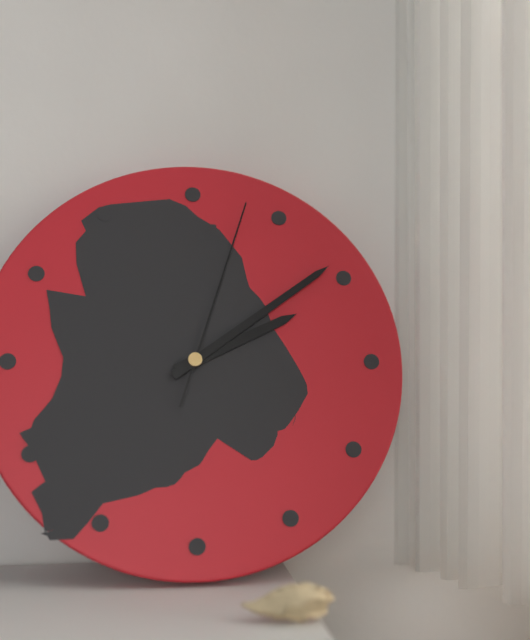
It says 2h09m03s
